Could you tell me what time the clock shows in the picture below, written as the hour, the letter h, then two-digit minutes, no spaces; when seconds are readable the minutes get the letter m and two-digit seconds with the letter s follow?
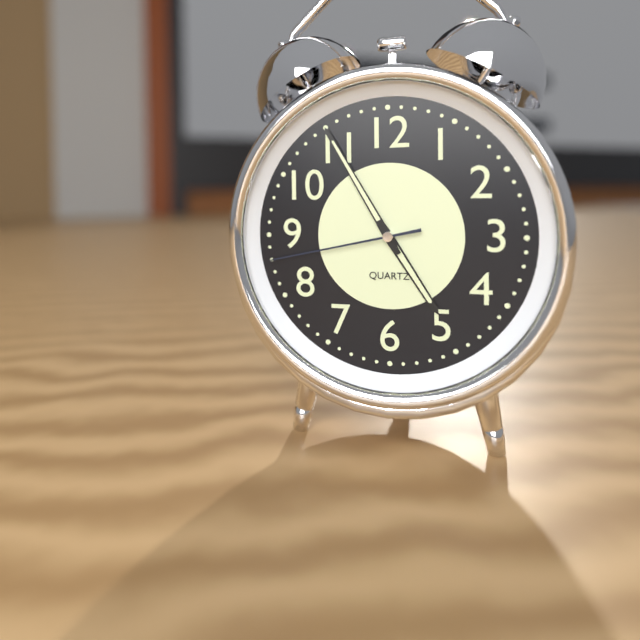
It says 4h55m43s
